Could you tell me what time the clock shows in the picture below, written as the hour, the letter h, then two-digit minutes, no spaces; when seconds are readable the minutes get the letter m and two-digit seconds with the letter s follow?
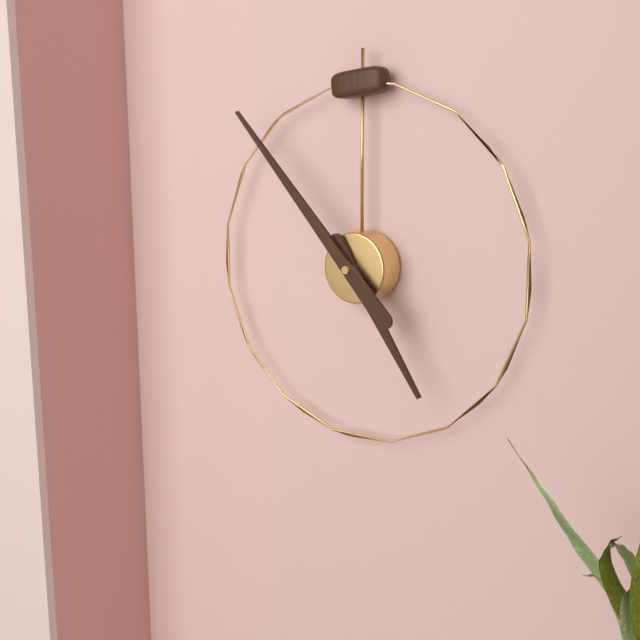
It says 4h53
